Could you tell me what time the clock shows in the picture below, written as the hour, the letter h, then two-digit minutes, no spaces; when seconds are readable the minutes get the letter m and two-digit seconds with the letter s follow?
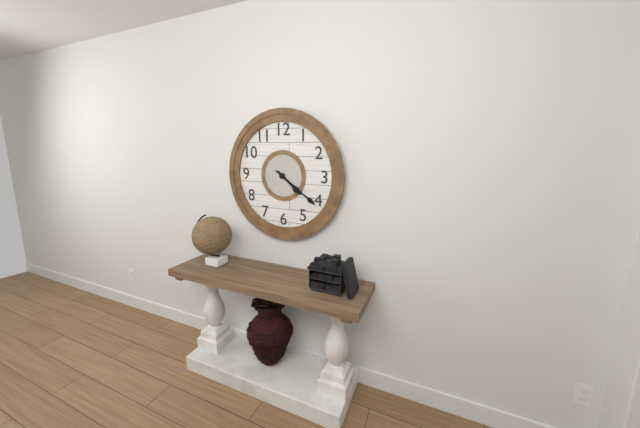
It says 4h21
